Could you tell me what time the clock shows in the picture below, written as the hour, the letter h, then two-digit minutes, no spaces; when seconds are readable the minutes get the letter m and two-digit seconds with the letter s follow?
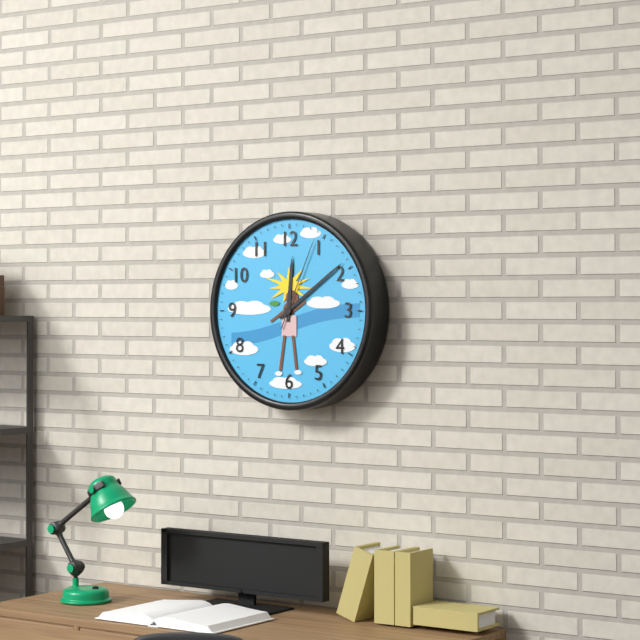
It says 12h09m04s
